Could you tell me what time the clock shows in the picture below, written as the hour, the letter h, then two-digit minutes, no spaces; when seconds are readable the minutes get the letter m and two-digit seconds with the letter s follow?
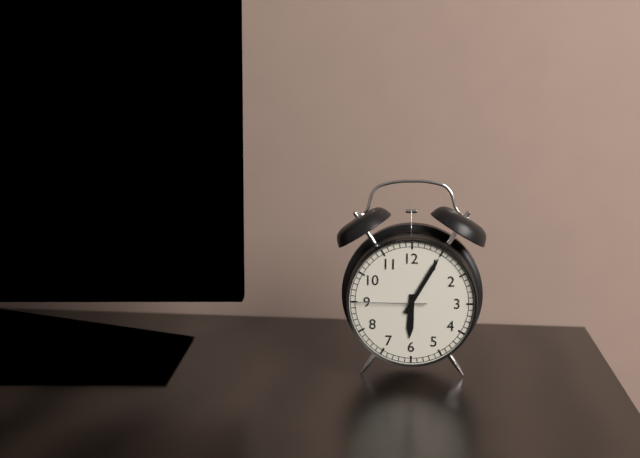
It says 6h05m45s
